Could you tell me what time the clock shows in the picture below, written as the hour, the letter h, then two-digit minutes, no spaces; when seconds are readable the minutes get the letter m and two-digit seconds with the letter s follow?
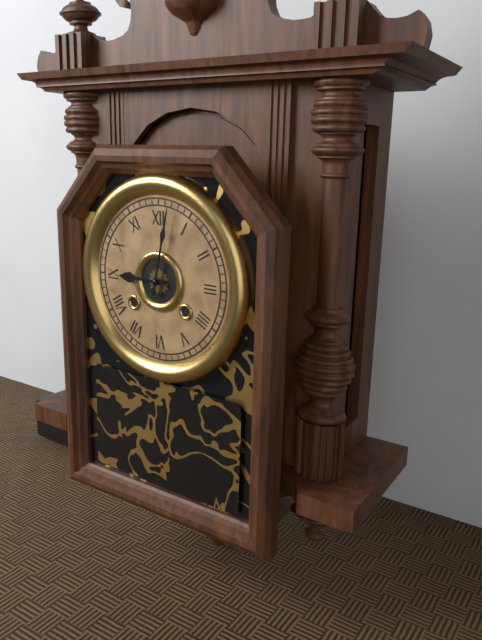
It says 9h02
